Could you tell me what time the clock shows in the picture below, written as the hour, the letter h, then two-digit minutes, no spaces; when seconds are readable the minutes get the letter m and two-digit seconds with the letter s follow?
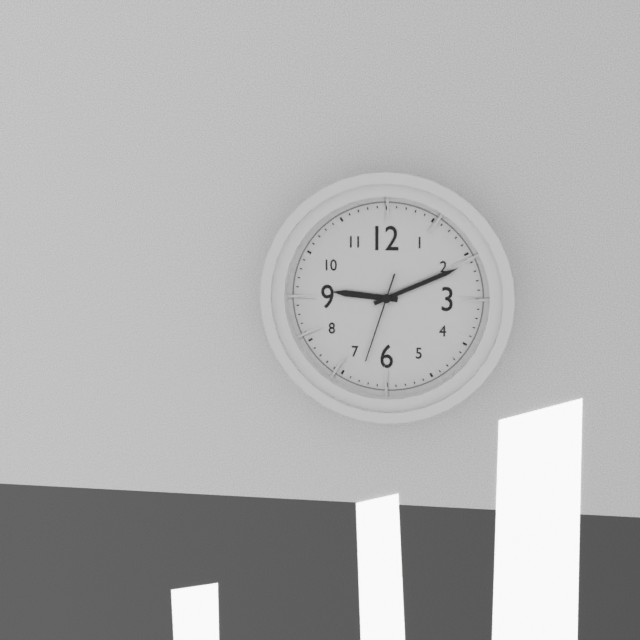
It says 9h11m33s
